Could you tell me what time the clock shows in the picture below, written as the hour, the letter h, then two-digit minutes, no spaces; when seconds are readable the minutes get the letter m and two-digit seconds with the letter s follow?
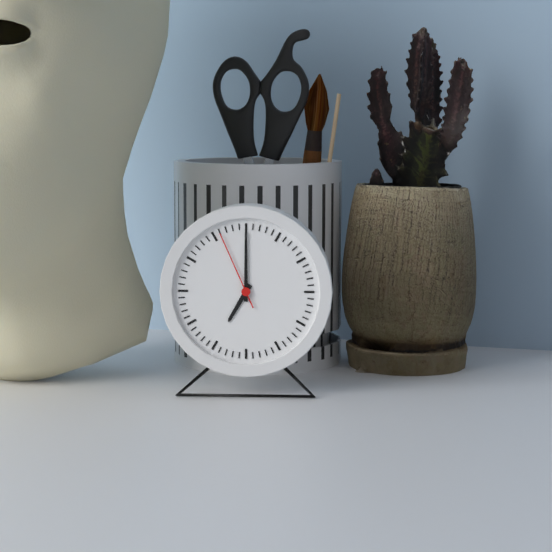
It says 7h00m56s
